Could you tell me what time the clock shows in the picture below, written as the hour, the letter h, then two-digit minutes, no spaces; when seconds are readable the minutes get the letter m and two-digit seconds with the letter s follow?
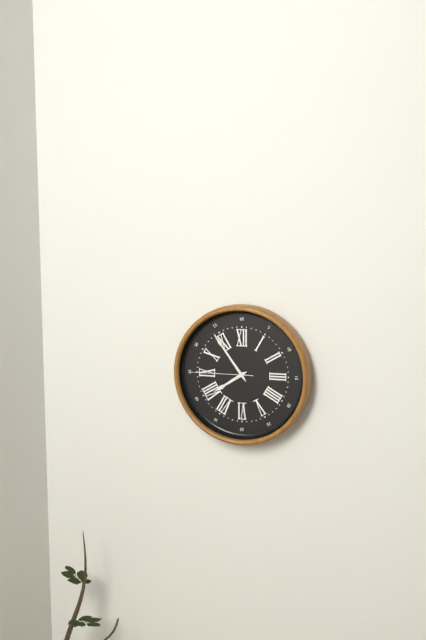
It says 7h54m45s
